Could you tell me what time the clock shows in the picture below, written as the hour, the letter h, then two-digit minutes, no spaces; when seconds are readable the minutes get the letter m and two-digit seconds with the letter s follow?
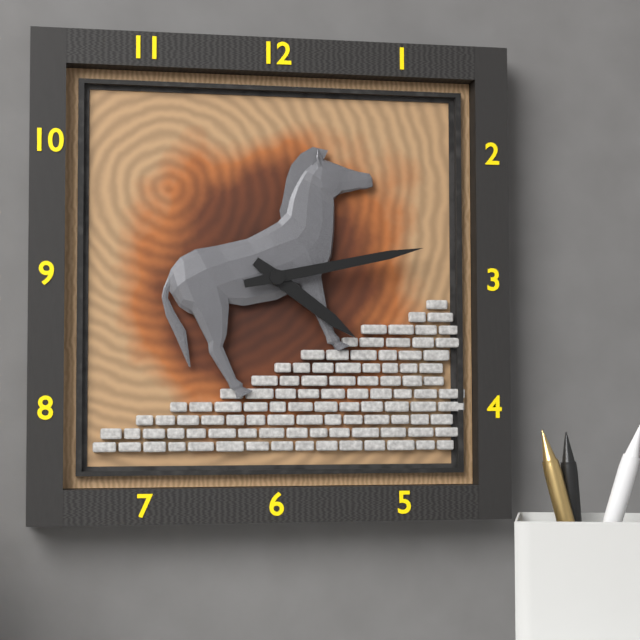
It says 4h13
